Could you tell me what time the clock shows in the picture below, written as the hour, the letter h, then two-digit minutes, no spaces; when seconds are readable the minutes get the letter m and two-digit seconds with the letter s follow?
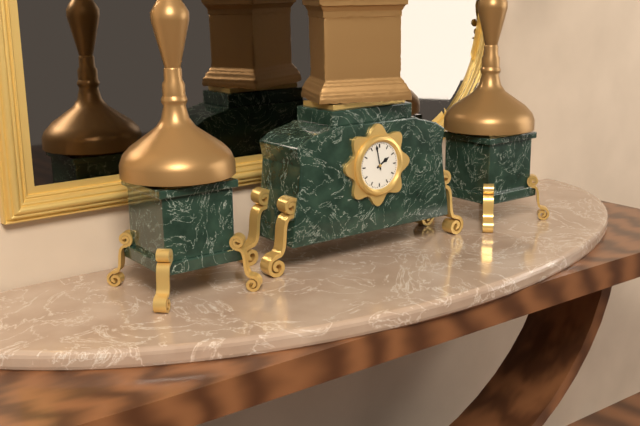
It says 1h58
